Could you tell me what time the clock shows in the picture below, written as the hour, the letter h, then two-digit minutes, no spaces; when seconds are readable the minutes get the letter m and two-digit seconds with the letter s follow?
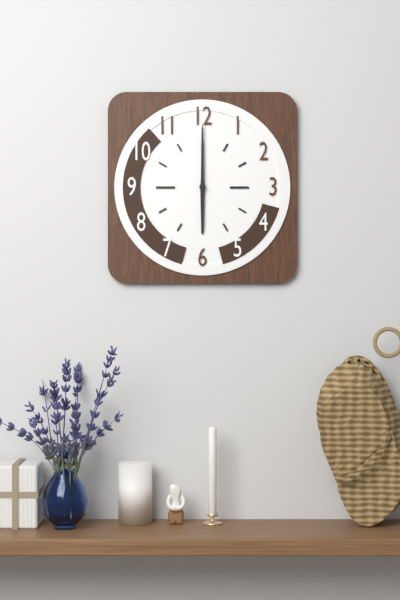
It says 6h00
